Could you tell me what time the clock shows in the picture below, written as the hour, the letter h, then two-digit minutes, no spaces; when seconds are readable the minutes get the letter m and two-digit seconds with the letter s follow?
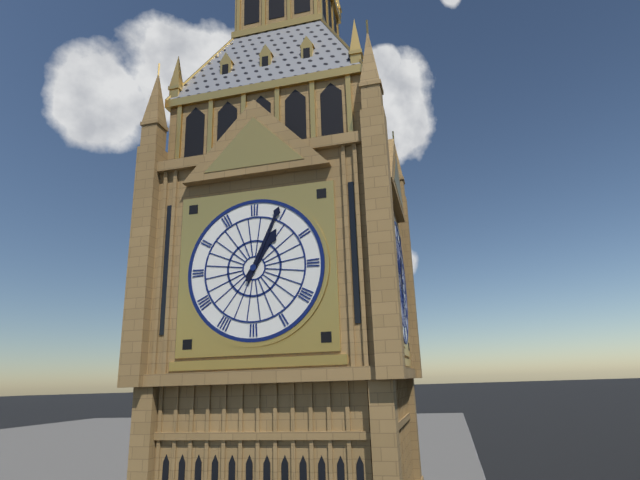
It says 1h04
